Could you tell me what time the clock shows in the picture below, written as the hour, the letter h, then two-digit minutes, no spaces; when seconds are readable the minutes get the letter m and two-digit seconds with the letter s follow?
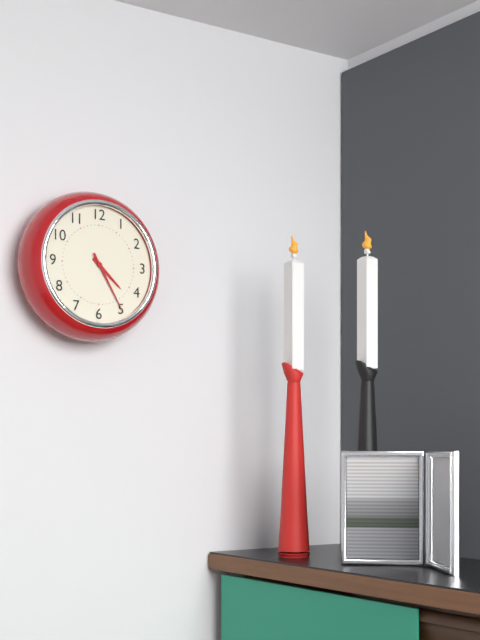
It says 4h25
